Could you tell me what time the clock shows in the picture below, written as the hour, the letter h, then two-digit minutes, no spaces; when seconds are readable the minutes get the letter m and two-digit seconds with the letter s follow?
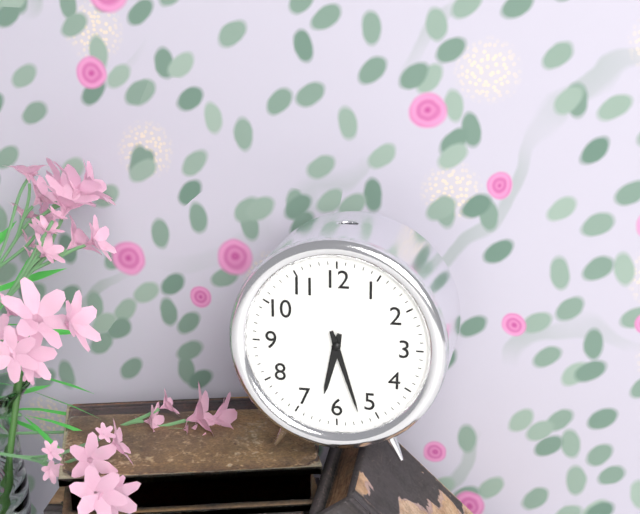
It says 6h27
